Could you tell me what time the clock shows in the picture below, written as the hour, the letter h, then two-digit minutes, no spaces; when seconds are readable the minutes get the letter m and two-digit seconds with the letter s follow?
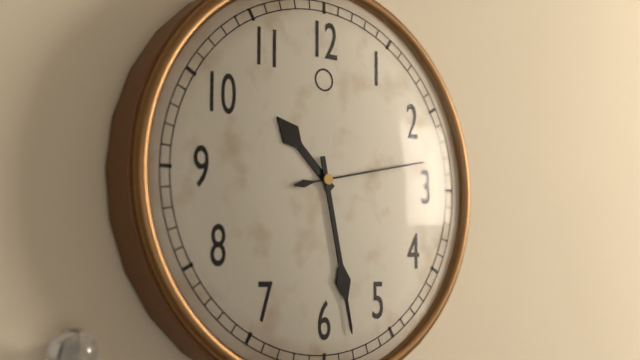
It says 10h28m13s
